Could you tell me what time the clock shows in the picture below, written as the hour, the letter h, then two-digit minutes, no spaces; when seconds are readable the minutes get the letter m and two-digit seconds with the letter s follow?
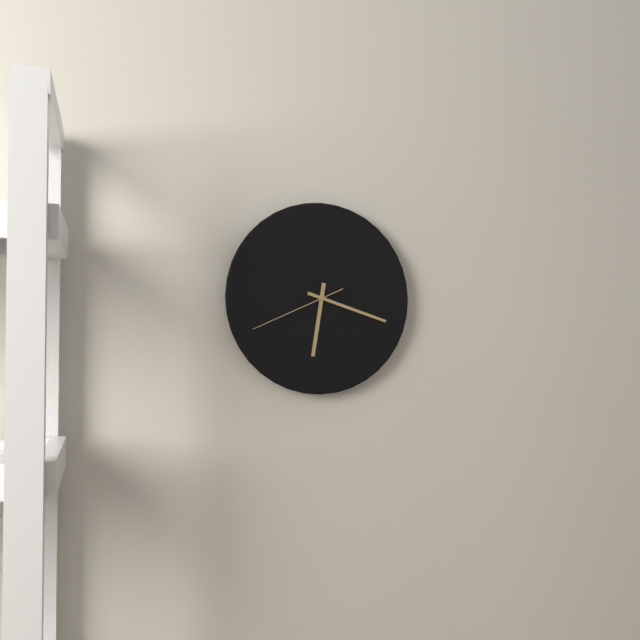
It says 6h18m41s
